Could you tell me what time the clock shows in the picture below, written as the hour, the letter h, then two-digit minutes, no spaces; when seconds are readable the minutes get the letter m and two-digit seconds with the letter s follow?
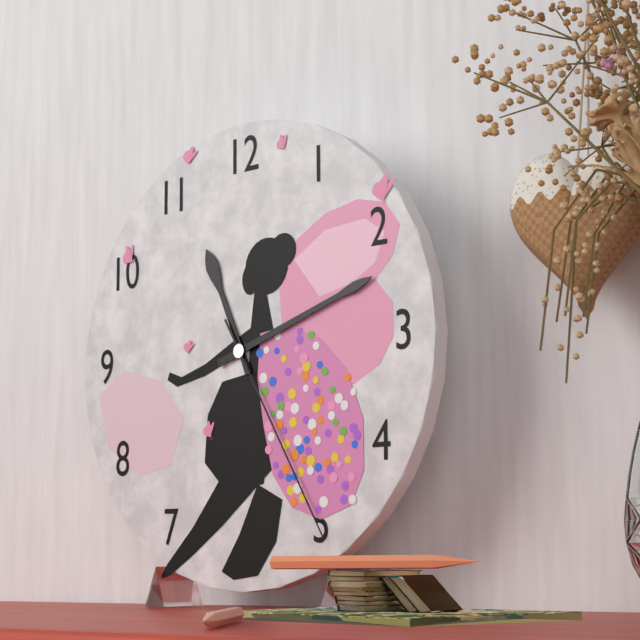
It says 11h12m25s
